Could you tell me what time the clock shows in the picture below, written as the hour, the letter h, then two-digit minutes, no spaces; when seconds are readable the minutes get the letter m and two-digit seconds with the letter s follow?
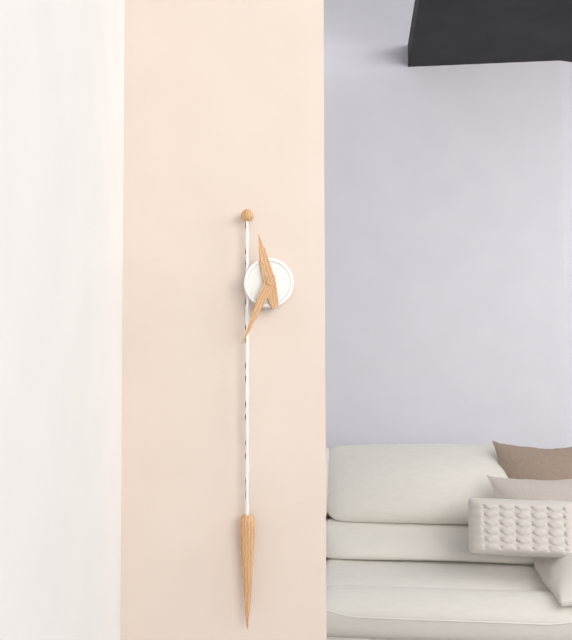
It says 11h34
